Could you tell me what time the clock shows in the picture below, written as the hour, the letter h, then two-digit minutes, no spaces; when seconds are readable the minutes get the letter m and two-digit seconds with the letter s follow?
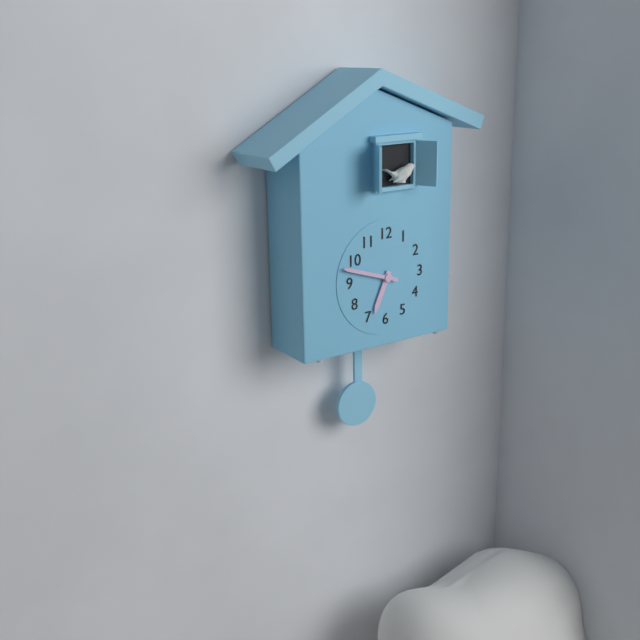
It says 6h48
